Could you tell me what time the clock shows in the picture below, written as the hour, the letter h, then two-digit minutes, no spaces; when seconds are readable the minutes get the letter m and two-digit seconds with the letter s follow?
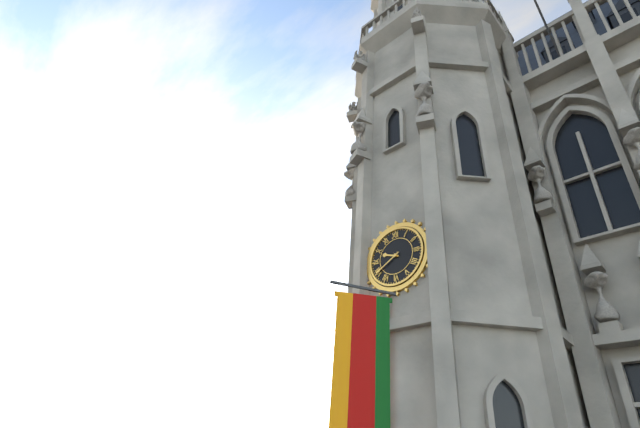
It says 9h40
